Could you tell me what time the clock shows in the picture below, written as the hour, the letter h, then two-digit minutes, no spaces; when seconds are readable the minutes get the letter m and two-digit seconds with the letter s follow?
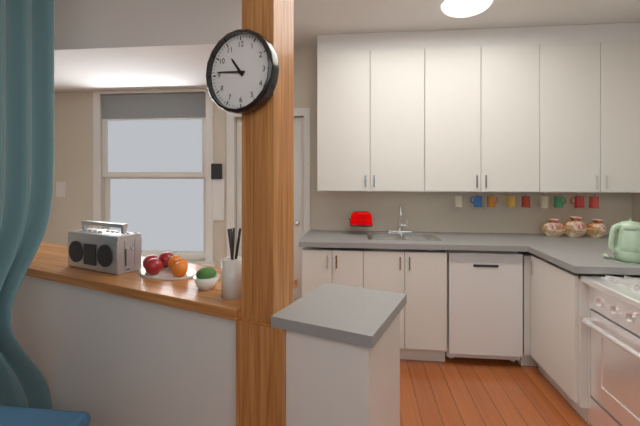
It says 10h46
